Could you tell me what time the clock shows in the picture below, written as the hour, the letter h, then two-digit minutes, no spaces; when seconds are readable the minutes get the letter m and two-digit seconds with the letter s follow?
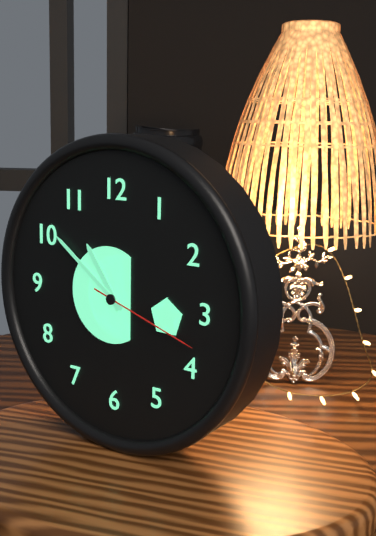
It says 10h51m18s
